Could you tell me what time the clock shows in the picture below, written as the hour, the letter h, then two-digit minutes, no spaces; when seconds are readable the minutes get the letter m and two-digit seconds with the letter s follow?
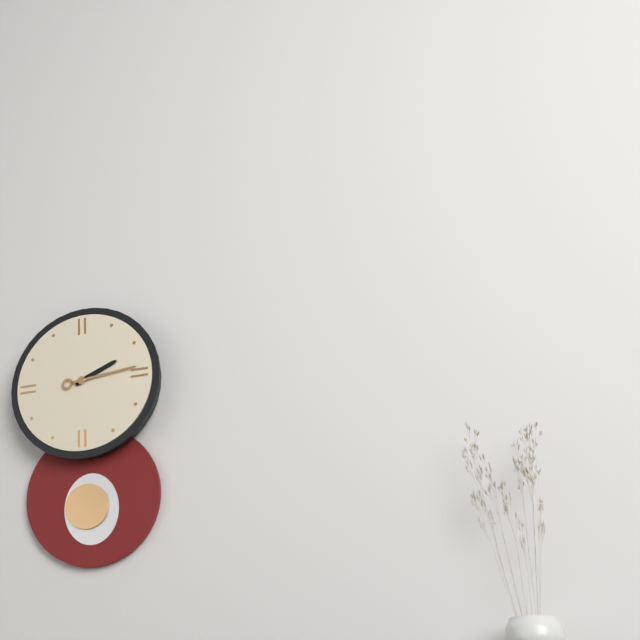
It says 2h14
